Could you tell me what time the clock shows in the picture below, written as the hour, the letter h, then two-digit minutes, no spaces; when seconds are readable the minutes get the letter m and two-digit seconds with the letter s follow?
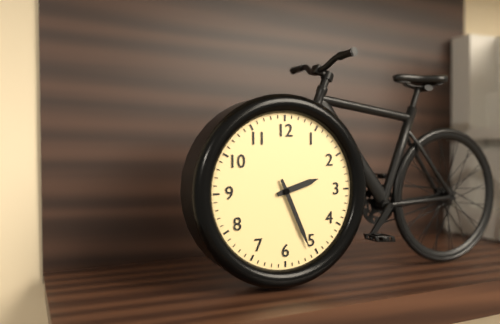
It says 2h26
